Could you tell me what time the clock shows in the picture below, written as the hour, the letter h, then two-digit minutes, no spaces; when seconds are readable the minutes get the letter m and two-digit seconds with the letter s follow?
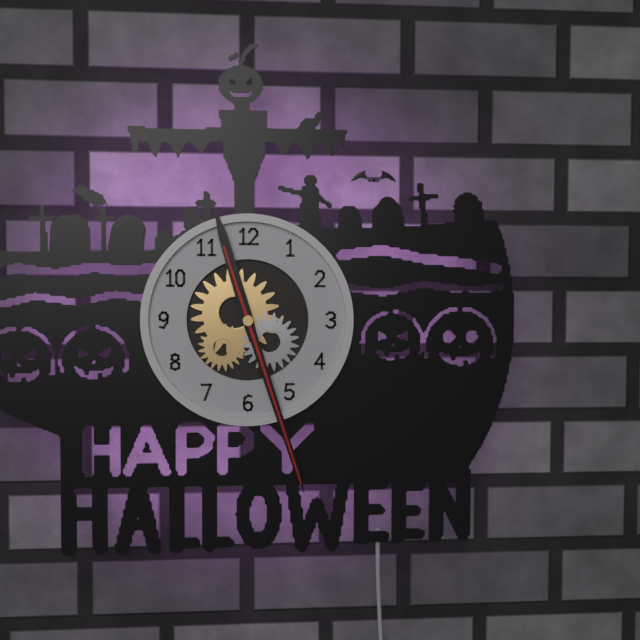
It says 11h27m27s
